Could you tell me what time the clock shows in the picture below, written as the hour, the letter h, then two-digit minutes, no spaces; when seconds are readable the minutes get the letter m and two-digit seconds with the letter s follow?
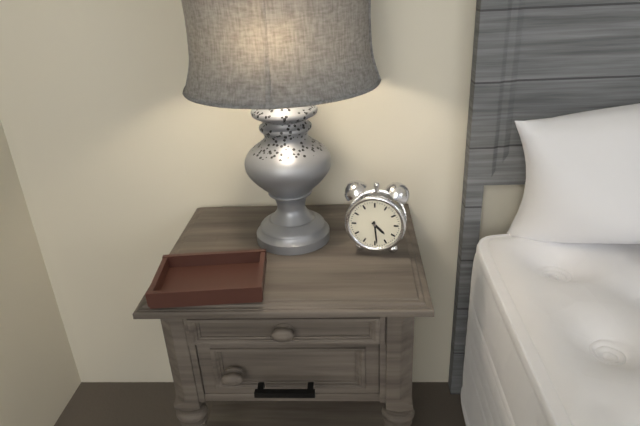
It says 4h29
